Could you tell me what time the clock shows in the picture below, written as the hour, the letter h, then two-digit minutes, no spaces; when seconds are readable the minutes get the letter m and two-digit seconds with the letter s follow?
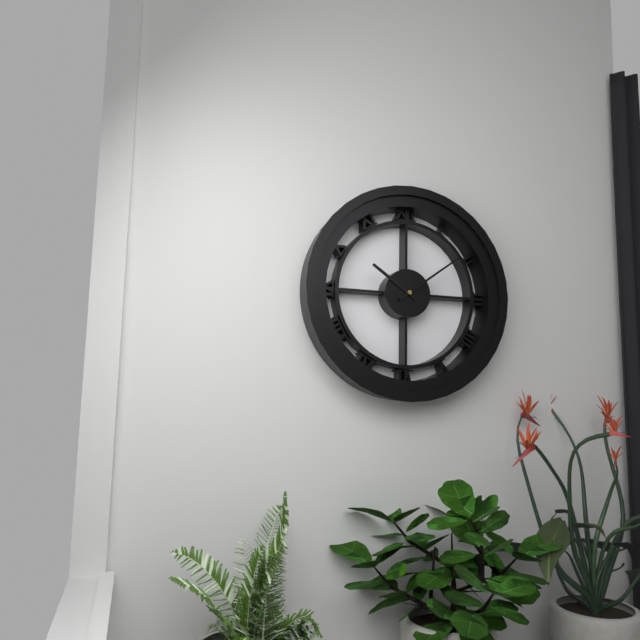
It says 10h09
